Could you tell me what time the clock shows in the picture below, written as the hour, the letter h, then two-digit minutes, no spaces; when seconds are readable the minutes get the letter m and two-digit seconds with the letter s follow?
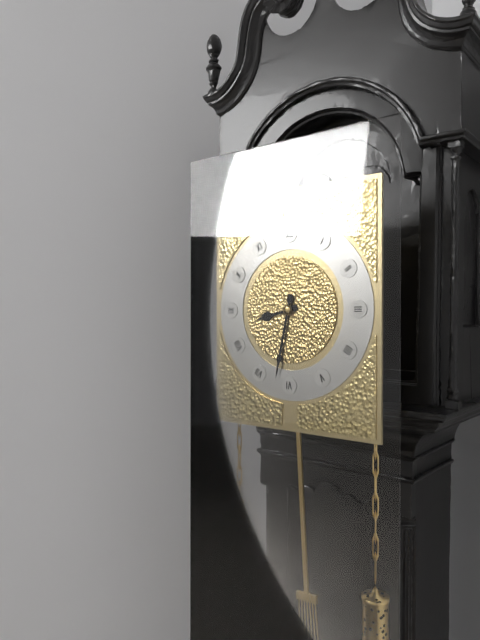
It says 8h32
